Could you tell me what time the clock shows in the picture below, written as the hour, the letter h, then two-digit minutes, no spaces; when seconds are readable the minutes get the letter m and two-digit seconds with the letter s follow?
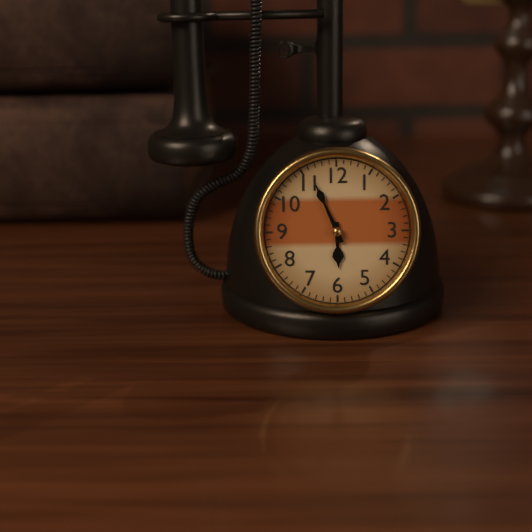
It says 5h56
